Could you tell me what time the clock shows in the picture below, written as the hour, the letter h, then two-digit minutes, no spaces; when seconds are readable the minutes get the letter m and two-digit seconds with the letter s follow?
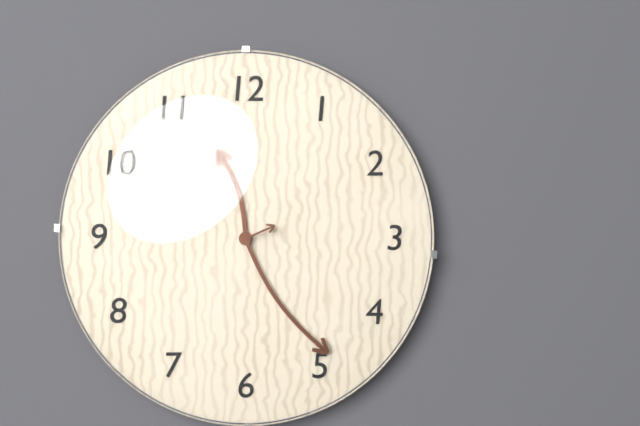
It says 11h24
